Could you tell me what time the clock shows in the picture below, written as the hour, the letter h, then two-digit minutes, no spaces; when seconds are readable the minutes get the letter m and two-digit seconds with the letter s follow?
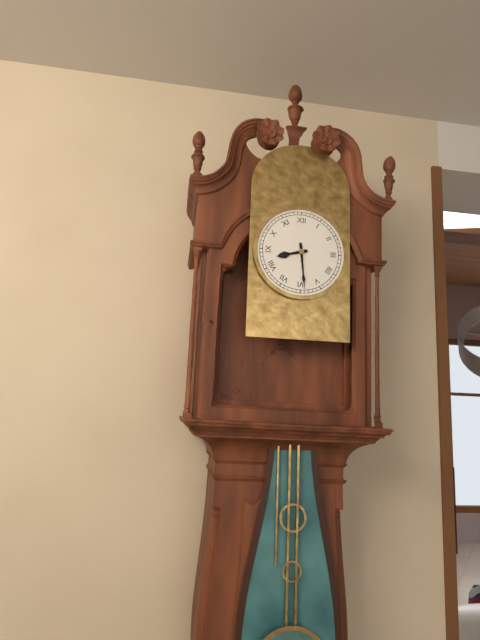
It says 8h29
